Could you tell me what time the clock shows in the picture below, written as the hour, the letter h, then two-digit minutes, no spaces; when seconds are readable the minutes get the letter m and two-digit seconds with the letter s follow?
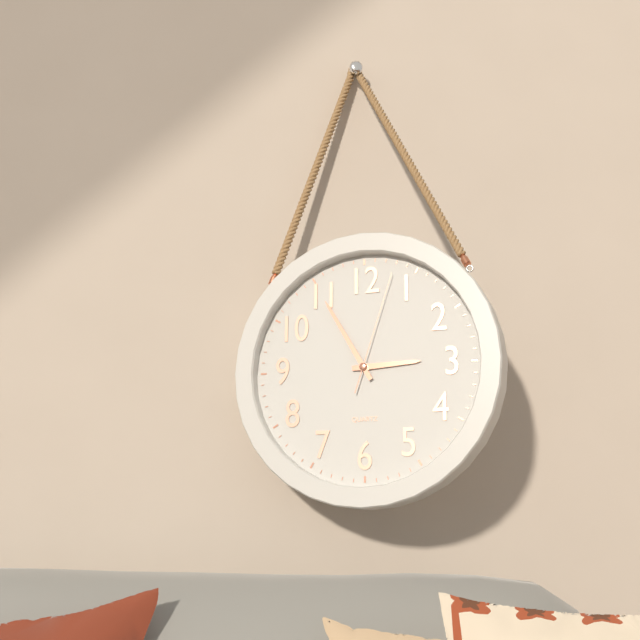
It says 2h55m03s
